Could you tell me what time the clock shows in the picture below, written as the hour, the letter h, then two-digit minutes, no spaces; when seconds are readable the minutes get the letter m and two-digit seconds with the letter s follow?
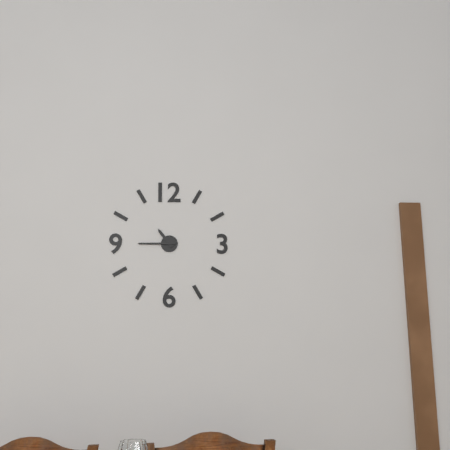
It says 10h45
